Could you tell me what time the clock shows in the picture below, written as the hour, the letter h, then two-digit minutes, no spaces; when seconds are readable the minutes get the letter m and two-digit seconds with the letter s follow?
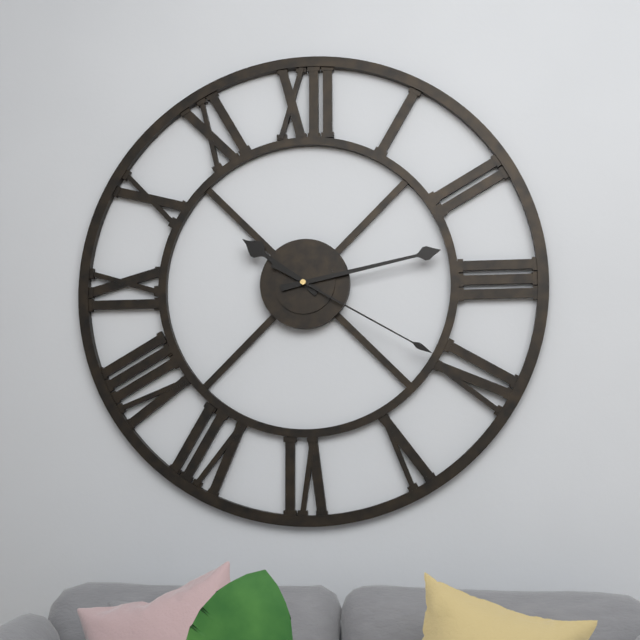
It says 10h13m20s
